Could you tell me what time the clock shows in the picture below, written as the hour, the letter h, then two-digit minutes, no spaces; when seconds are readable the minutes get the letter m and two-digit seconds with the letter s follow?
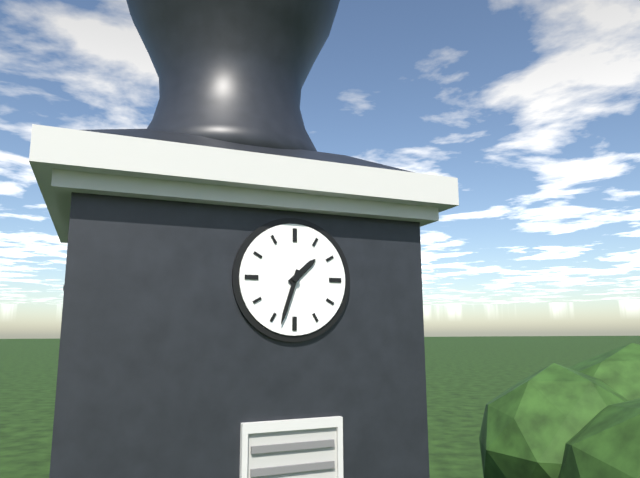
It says 1h33
